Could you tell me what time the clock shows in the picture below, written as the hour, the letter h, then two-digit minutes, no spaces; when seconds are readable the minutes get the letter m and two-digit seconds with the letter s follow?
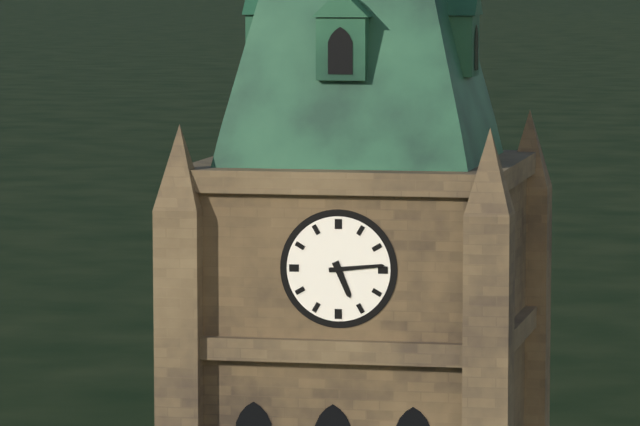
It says 5h14
